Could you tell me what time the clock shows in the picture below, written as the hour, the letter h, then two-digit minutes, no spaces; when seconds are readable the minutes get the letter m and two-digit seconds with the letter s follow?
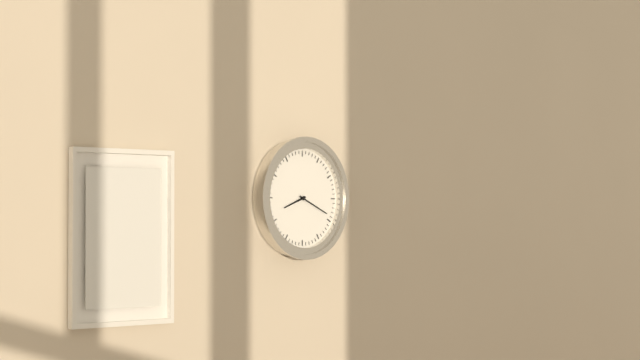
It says 8h19
